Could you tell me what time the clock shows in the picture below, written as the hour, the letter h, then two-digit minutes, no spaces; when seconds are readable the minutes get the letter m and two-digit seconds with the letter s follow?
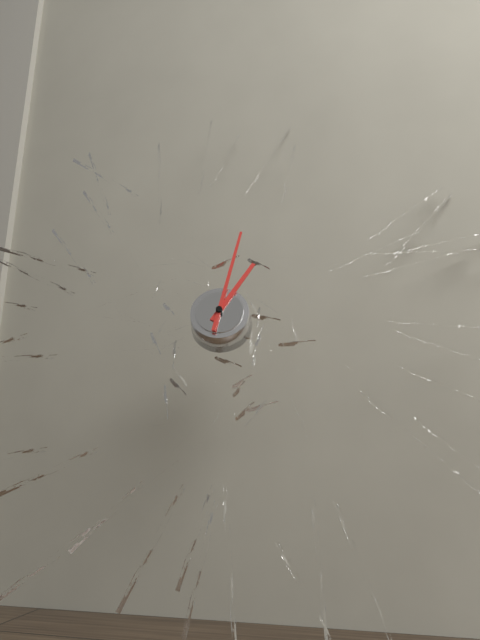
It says 1h02
